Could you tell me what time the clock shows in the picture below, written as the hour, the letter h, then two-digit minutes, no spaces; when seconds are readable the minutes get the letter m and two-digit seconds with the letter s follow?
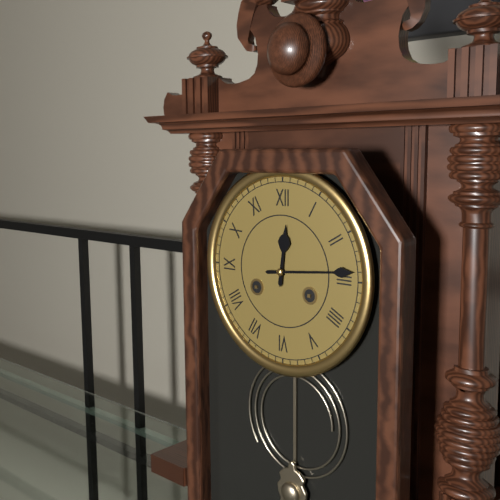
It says 12h14
